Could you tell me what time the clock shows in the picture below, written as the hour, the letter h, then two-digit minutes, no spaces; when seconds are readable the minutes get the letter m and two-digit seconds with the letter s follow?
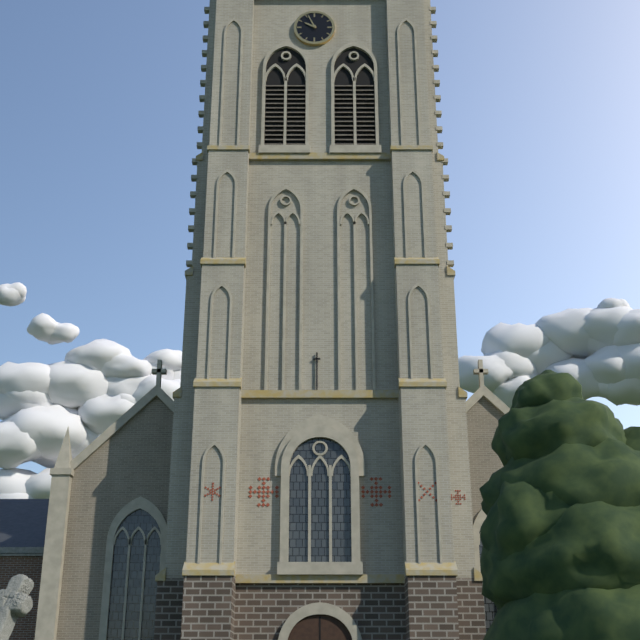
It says 9h56
